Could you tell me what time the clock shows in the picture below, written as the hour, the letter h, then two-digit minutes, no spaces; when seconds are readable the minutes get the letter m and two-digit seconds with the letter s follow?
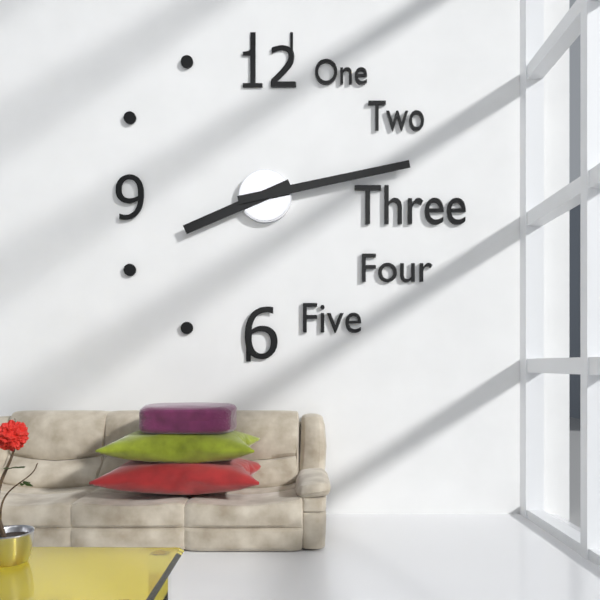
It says 8h13
